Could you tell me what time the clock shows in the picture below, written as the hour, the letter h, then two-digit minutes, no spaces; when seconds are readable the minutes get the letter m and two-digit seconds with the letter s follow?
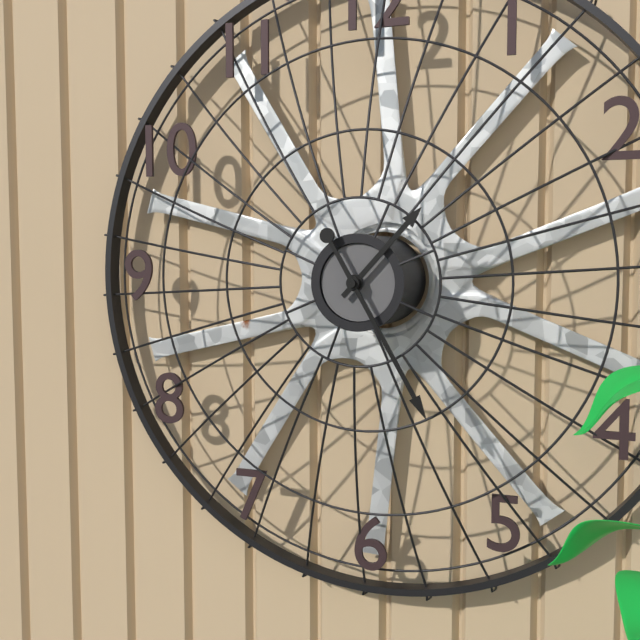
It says 1h25
